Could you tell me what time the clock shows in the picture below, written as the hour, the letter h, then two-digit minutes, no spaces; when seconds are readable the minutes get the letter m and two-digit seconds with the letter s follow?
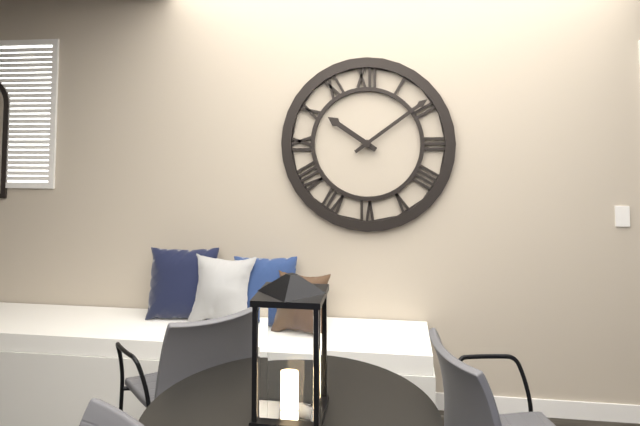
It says 10h09
